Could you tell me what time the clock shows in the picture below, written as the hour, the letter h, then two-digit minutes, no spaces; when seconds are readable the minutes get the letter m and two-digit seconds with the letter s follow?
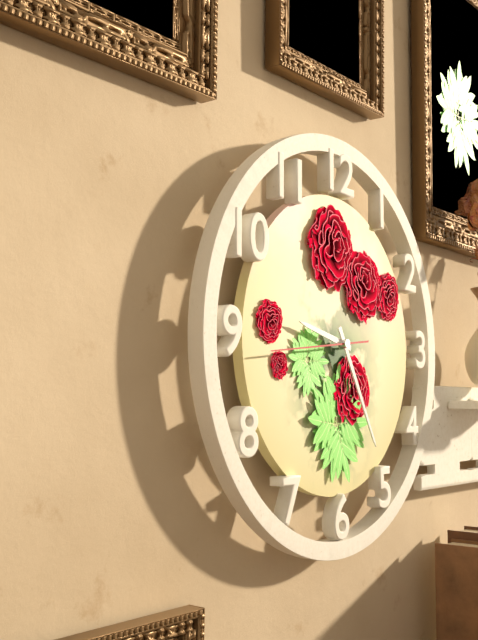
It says 9h25
